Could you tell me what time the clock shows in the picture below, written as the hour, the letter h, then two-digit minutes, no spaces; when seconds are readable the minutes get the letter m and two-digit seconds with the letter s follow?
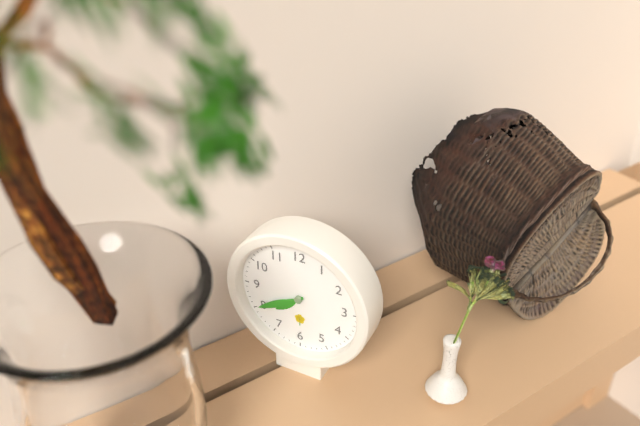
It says 7h40
